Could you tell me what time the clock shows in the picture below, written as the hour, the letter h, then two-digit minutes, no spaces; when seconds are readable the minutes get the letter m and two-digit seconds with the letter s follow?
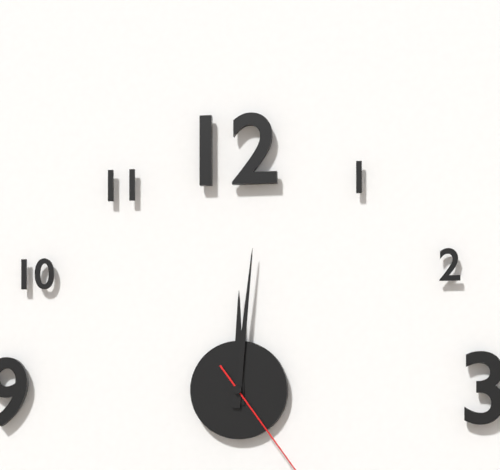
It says 12h01
